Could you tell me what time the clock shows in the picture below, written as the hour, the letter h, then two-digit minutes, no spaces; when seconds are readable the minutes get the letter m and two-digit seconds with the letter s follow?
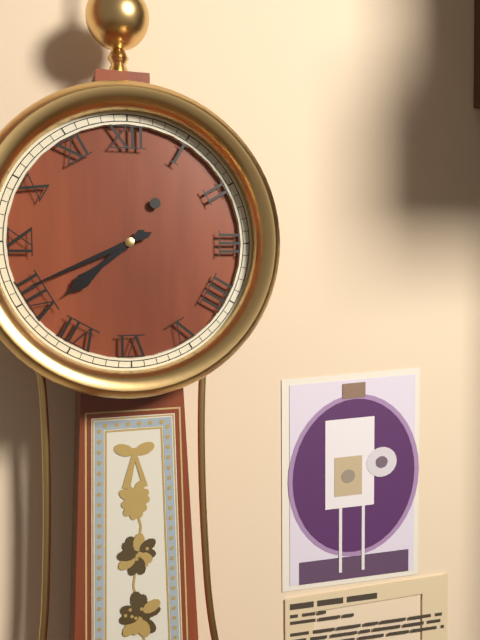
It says 7h41
